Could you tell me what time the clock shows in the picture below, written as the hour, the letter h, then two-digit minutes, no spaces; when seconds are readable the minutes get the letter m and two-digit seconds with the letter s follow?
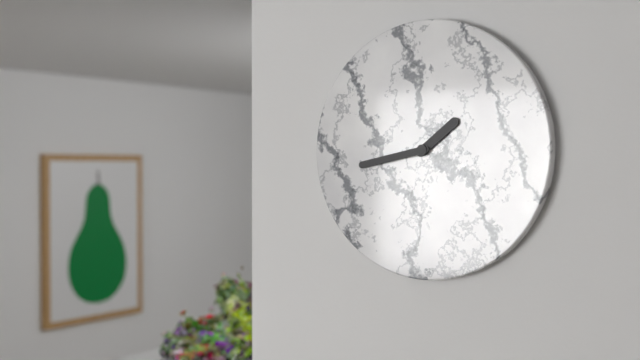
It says 1h43
